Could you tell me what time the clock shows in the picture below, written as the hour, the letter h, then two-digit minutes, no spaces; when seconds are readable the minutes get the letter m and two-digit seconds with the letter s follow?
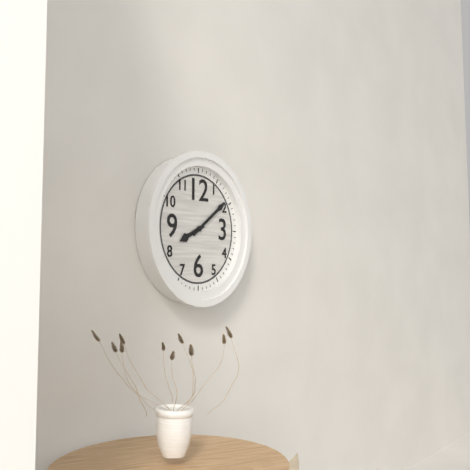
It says 8h09
